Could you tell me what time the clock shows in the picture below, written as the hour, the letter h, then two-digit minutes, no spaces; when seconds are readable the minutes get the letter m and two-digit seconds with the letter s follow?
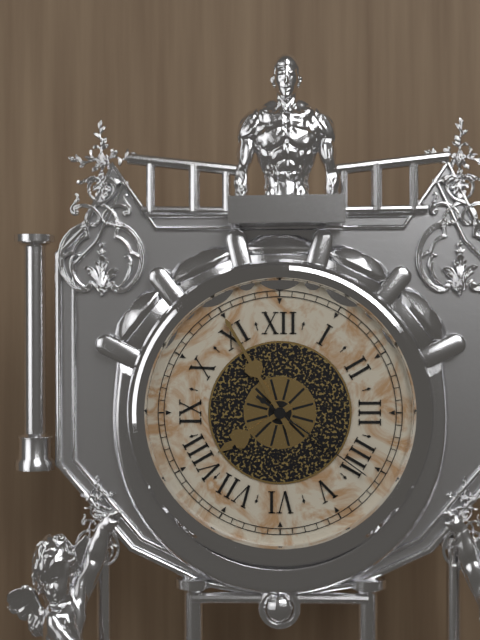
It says 7h55m21s
